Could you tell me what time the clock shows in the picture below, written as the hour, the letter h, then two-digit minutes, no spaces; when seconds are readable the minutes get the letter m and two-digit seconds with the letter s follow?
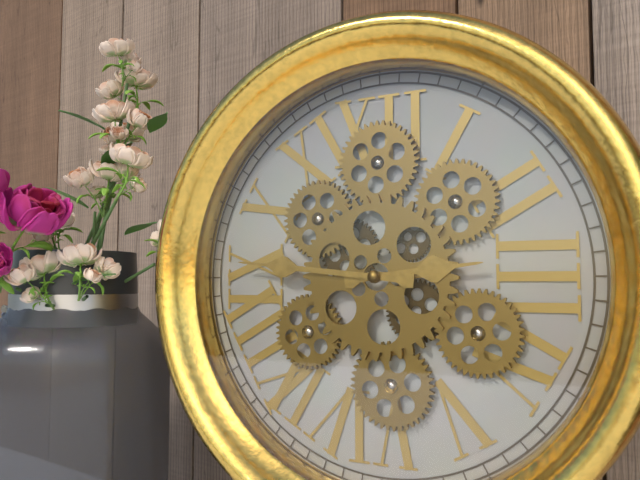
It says 2h46
